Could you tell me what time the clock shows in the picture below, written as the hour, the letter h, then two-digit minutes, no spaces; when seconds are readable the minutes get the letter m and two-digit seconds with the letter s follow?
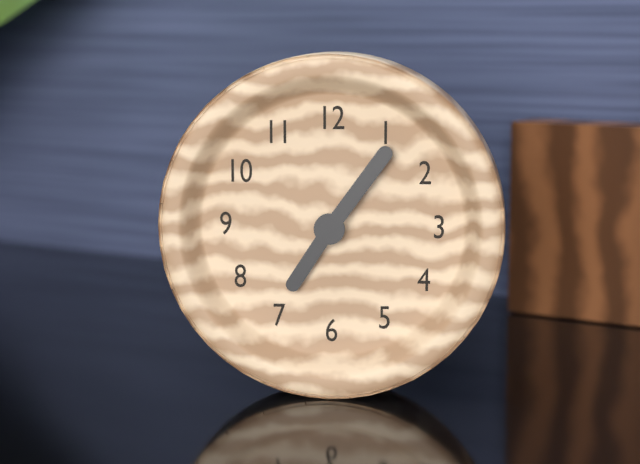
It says 7h06
